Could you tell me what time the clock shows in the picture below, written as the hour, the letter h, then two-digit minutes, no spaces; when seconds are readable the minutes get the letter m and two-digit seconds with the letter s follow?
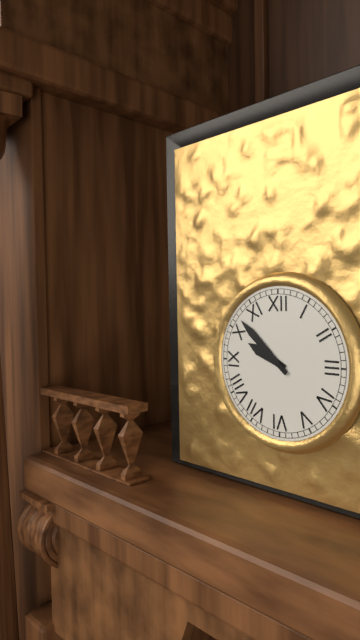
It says 9h52
